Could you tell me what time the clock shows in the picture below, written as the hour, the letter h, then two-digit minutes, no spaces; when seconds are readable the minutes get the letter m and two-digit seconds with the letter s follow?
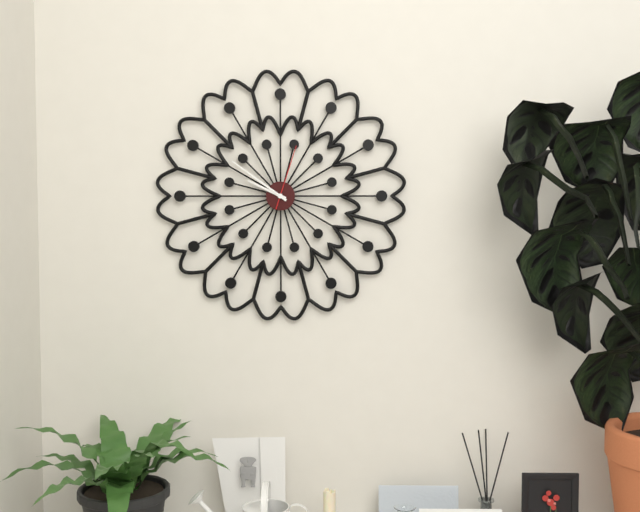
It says 9h51m03s
